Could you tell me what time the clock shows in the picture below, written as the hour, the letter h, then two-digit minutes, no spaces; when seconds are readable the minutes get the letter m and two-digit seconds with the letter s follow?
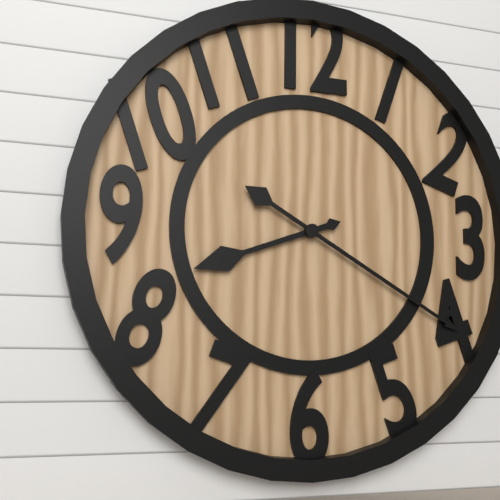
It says 8h20
